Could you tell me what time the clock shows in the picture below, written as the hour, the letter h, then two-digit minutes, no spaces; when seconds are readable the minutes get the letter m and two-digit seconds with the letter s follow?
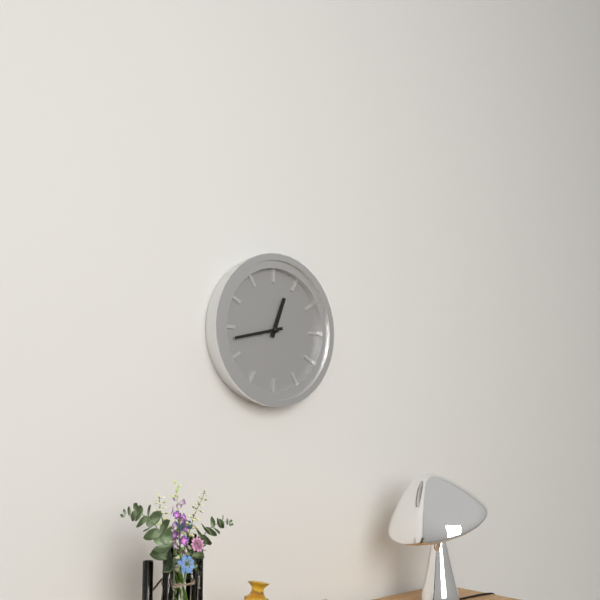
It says 12h43
